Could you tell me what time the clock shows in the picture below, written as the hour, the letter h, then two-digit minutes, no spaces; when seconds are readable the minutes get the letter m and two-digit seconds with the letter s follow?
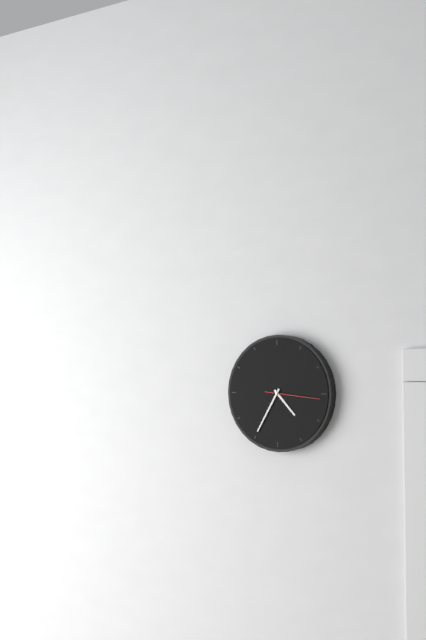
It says 4h35m16s
